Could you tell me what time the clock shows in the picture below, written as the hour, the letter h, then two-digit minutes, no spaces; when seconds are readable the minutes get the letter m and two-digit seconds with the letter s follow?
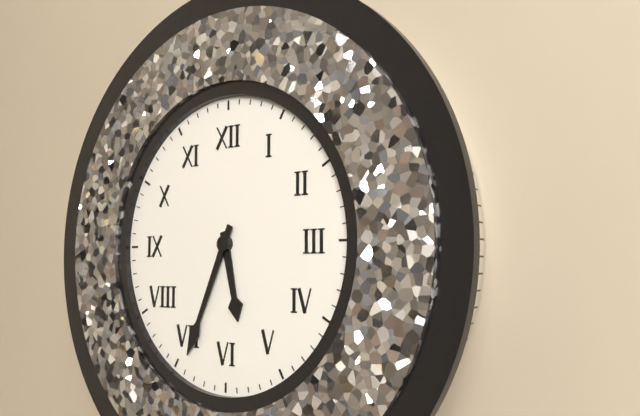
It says 5h34
